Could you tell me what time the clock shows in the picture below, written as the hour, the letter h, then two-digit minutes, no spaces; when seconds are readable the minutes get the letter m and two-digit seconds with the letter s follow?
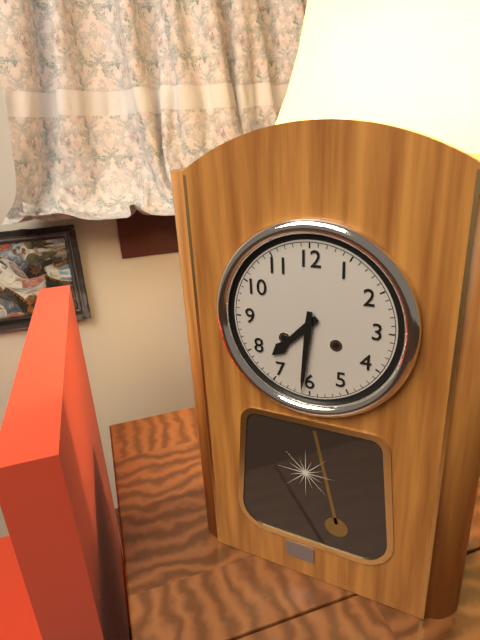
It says 7h31
